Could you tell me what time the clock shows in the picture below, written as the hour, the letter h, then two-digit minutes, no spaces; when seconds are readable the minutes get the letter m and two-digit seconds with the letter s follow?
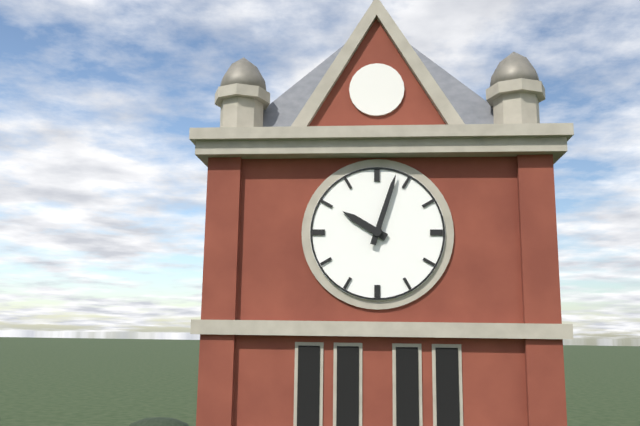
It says 10h03
